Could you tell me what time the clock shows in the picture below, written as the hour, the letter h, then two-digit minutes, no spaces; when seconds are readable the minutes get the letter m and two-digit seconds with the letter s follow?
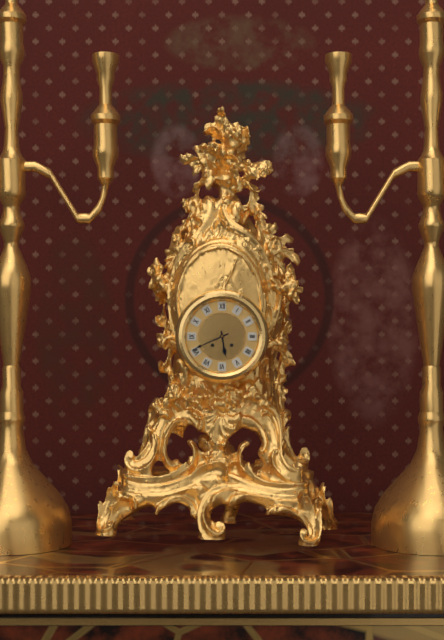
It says 5h41
